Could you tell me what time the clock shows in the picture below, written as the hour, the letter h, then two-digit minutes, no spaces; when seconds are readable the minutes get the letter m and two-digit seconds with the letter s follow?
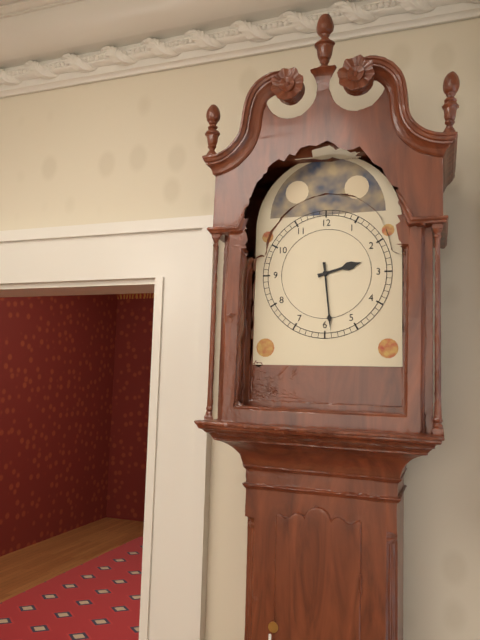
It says 2h29
